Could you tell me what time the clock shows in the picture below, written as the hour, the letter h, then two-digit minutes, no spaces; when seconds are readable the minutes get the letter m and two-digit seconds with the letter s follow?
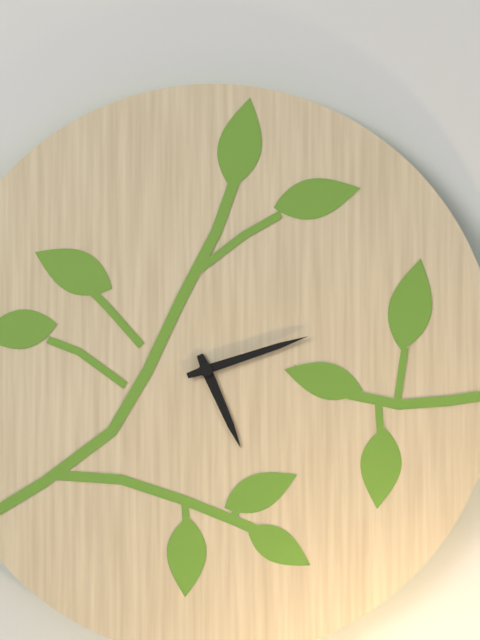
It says 5h12
